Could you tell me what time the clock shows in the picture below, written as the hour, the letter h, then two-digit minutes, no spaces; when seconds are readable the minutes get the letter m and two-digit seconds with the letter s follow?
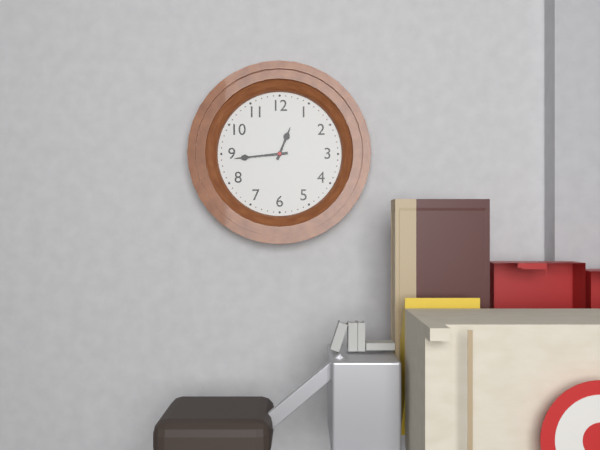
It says 12h44
